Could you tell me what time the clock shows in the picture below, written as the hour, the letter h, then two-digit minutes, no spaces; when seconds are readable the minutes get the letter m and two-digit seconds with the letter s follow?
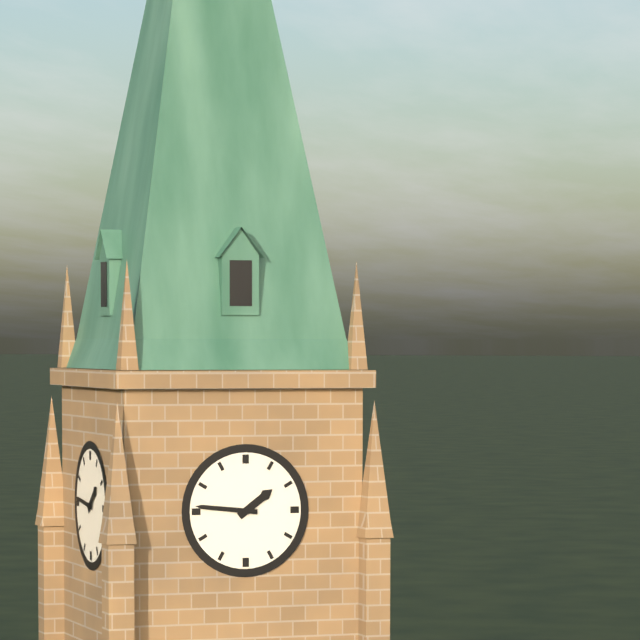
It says 1h46
